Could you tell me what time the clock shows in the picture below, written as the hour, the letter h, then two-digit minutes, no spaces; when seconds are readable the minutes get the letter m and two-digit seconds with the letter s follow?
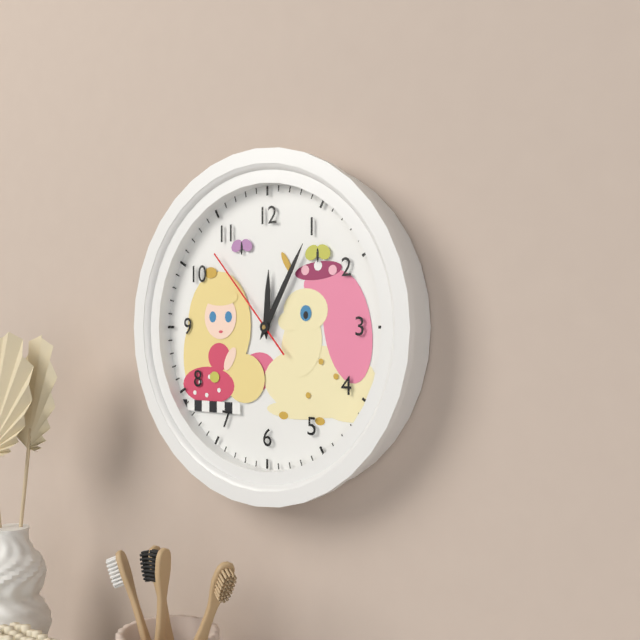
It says 12h05m53s
